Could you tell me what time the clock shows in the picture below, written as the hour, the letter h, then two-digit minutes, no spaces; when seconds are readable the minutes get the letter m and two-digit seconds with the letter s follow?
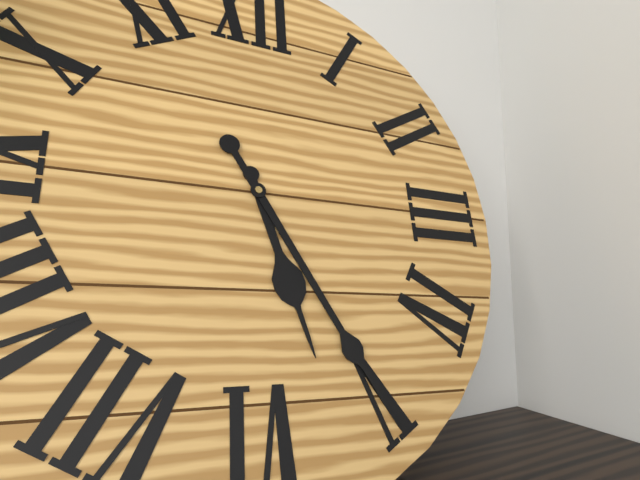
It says 5h25
